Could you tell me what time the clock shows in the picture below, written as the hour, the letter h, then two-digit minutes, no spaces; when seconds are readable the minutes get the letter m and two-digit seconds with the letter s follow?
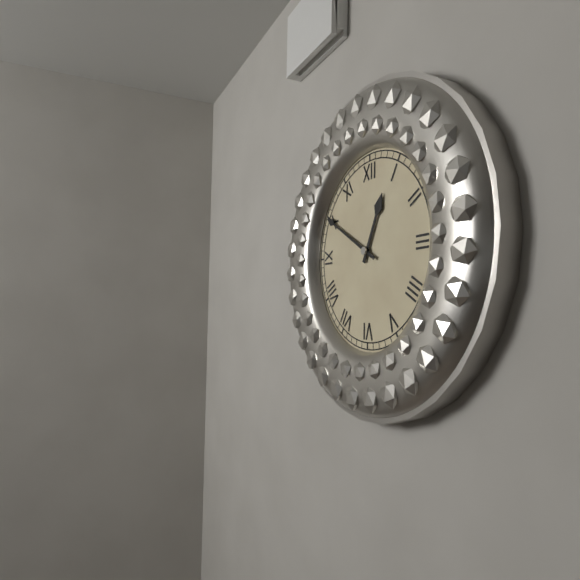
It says 12h50
